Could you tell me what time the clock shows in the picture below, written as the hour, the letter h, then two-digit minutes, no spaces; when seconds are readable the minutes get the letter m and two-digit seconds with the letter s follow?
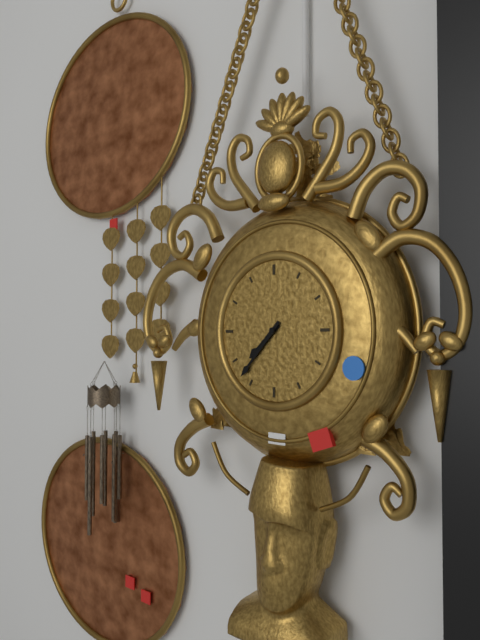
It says 7h37
